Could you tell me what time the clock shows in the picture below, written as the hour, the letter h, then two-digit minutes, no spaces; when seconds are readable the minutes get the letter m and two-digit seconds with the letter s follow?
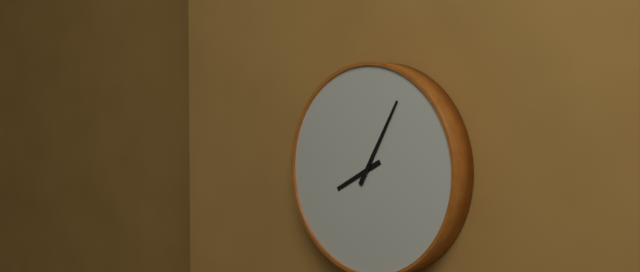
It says 8h05
